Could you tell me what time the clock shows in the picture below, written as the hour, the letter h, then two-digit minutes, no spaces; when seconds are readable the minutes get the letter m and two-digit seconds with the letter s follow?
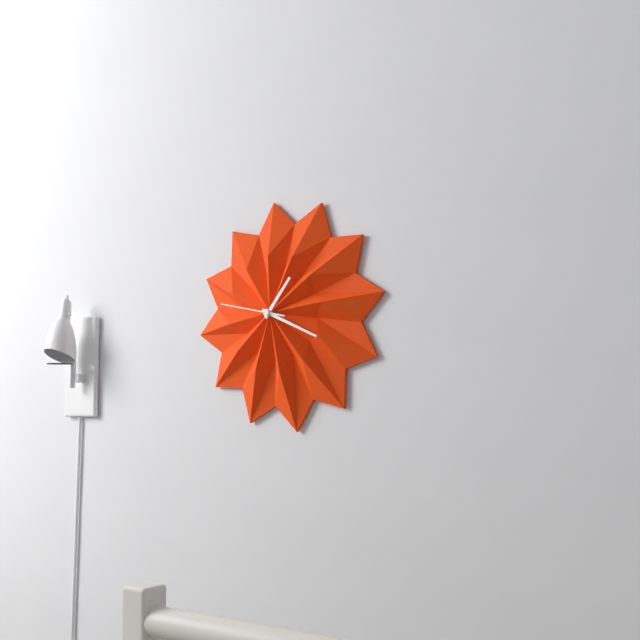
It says 1h19m47s
